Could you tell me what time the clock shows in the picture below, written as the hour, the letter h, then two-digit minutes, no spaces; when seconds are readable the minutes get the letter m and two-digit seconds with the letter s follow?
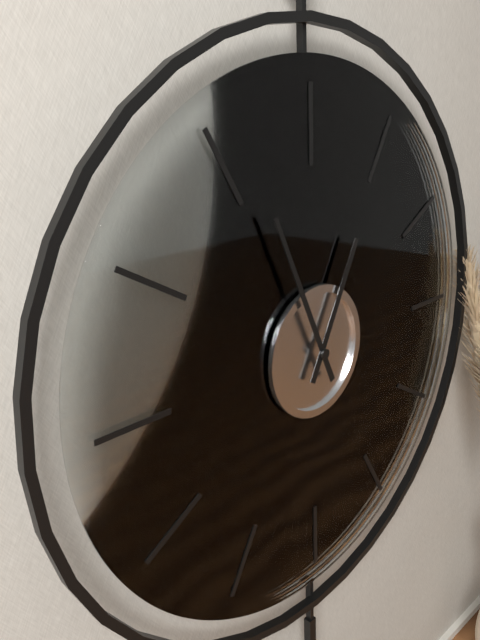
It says 12h56
